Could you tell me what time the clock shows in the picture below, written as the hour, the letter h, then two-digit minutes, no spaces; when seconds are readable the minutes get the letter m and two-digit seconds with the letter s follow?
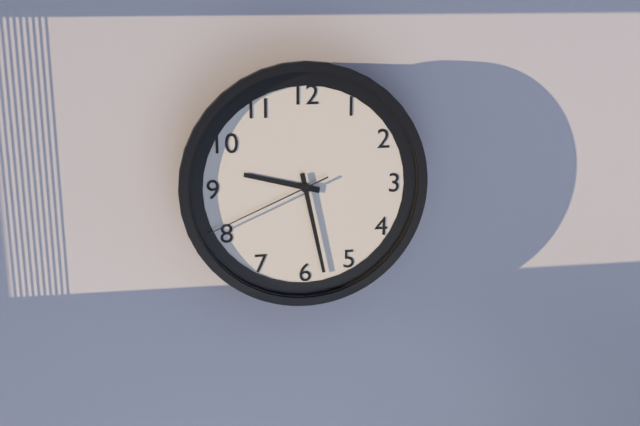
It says 9h28m41s
